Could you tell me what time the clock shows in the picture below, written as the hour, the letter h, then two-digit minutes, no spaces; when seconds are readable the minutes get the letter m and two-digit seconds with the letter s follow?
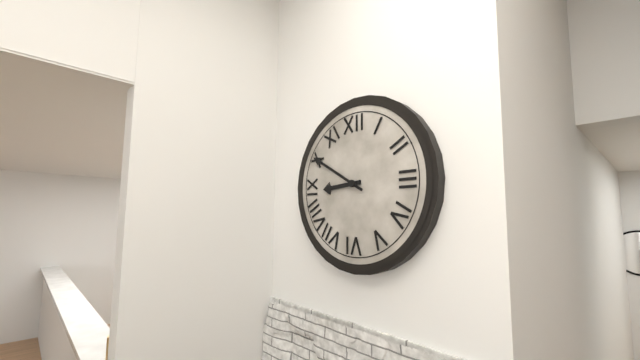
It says 8h50
